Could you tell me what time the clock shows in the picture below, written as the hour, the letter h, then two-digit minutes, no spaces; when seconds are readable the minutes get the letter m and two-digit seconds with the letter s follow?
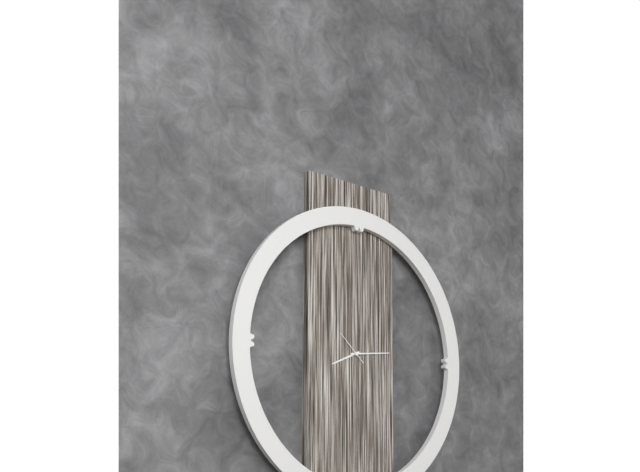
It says 8h14
